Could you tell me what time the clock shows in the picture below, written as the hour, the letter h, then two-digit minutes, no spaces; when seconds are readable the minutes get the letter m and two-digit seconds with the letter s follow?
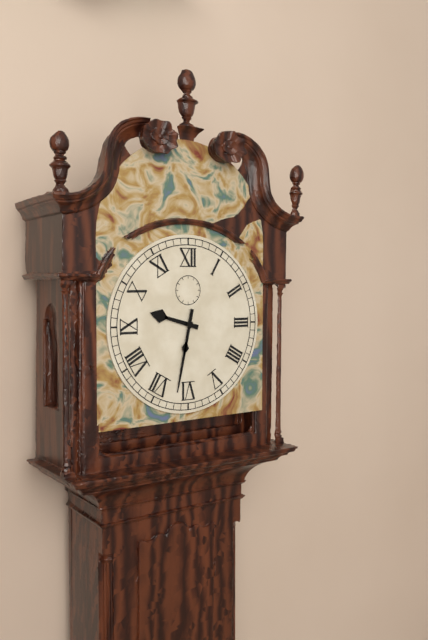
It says 9h32
